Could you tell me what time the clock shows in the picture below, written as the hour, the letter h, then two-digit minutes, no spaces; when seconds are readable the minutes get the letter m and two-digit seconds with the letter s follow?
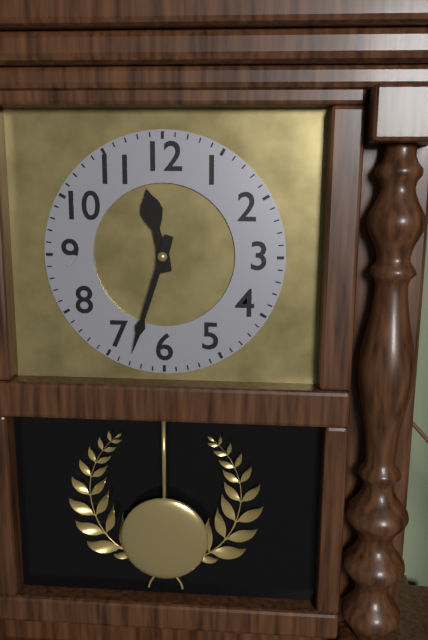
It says 11h33
